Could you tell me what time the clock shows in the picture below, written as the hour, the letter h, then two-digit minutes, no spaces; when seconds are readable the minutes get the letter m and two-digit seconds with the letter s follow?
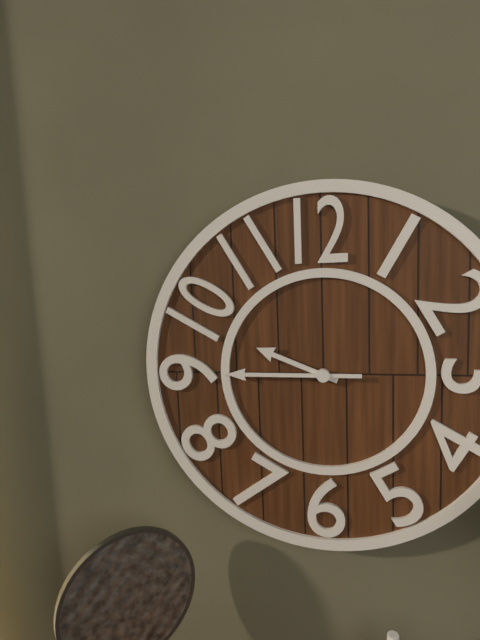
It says 9h45
